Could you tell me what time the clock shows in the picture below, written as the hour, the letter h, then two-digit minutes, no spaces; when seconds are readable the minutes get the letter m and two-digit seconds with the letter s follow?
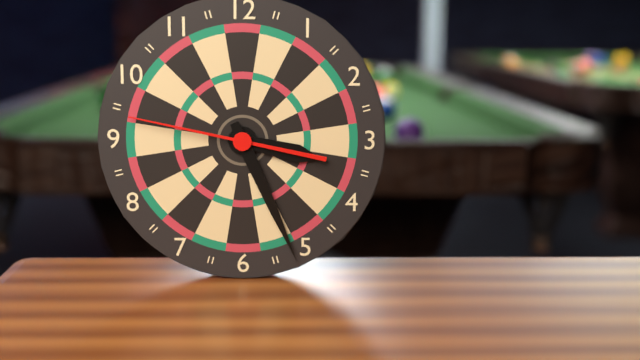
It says 3h26m47s
